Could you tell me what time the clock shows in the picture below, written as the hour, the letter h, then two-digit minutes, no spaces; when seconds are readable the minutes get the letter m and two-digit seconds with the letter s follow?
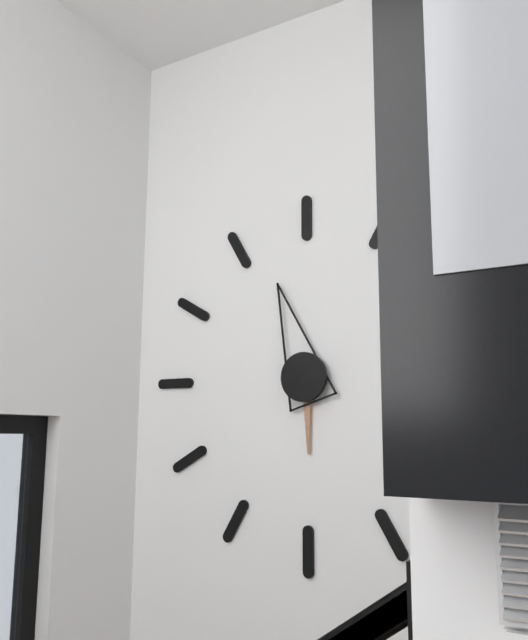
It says 5h57
